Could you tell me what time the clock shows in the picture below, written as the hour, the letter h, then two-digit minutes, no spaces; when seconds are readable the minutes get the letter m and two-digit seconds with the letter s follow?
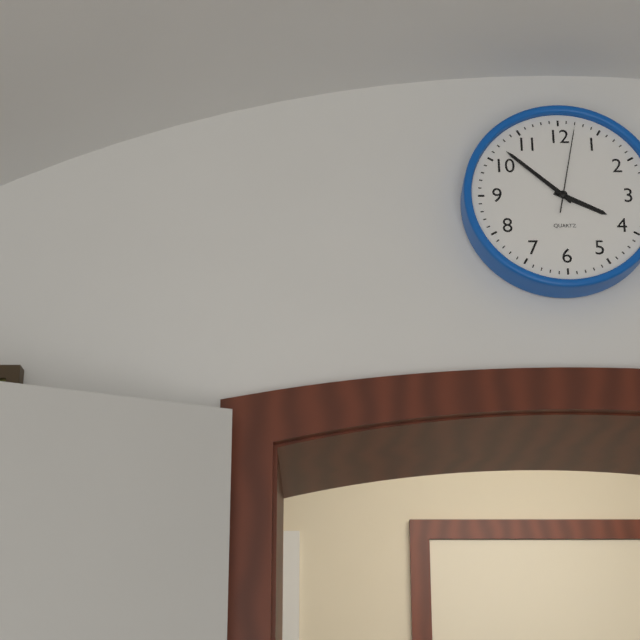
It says 3h52m02s
